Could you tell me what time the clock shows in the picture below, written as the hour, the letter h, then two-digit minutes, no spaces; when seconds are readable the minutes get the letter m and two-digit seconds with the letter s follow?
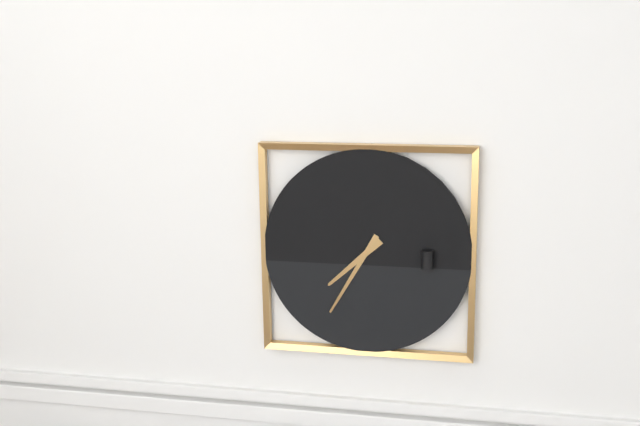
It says 7h35
